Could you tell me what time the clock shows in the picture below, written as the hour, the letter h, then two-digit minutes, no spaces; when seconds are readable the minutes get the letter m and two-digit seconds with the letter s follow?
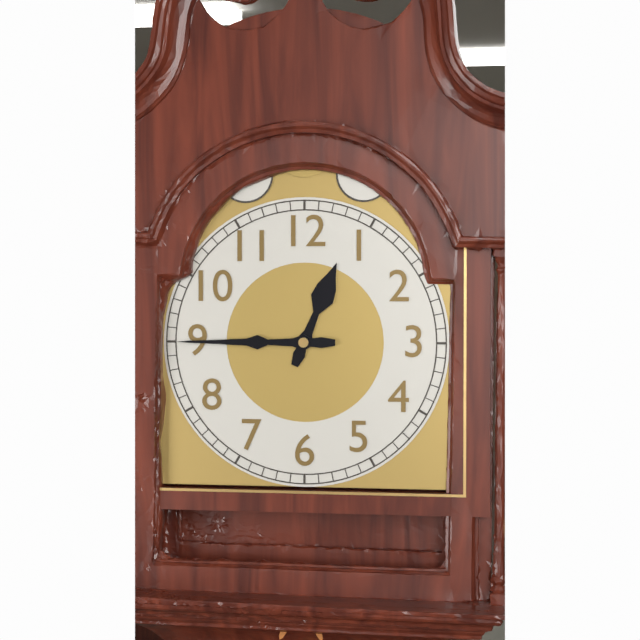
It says 12h45
